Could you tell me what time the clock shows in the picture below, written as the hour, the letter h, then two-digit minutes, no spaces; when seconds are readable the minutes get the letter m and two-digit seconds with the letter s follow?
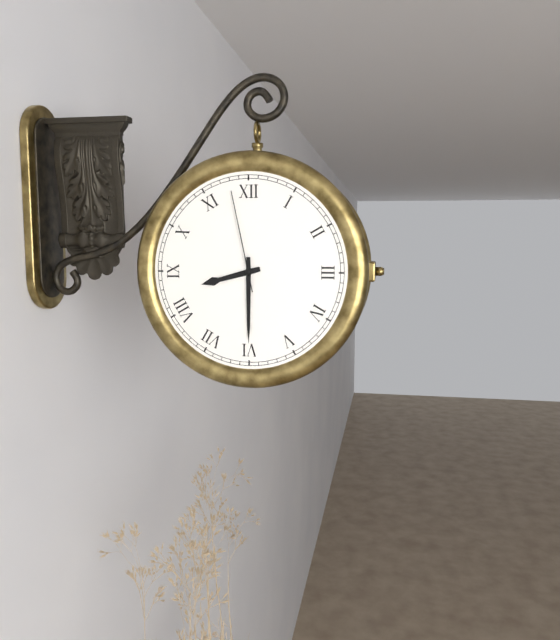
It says 8h30m58s
